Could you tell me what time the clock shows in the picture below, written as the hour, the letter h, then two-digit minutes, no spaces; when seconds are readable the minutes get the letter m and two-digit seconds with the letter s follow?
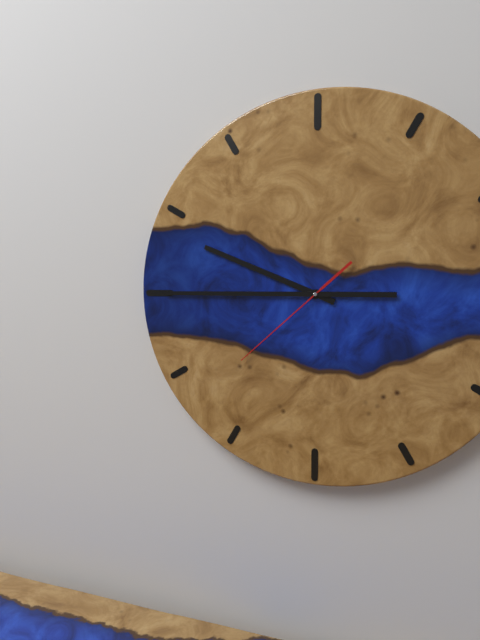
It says 9h45m38s
